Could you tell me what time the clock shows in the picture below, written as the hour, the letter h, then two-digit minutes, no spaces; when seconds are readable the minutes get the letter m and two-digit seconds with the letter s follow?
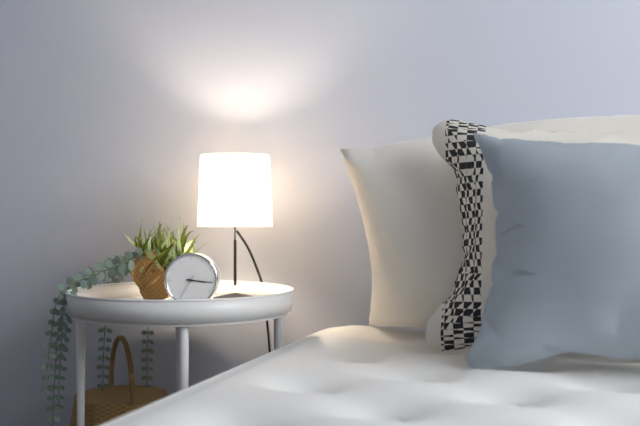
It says 3h16
